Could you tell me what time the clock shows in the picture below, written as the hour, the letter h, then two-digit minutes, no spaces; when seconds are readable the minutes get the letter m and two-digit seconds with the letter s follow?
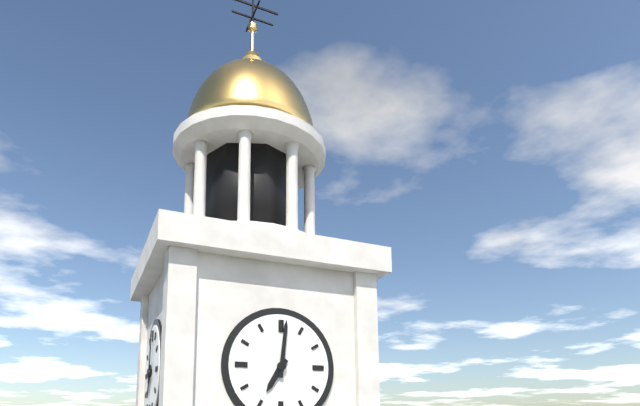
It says 7h01
